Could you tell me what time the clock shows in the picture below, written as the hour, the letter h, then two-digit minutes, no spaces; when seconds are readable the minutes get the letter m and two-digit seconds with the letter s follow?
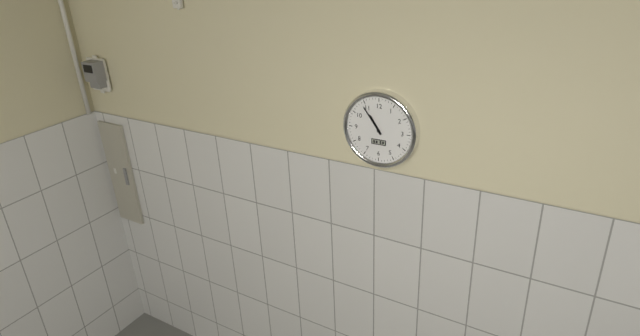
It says 10h54
